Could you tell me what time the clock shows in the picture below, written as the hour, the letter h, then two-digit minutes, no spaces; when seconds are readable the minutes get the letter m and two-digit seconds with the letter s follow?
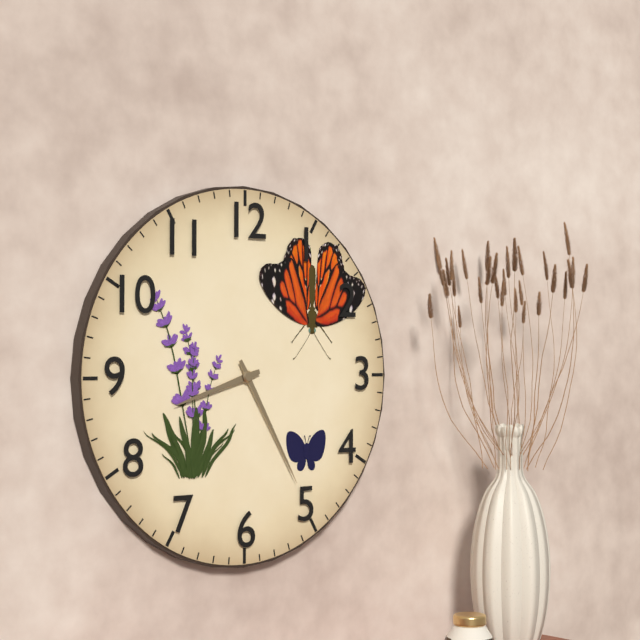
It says 8h25
